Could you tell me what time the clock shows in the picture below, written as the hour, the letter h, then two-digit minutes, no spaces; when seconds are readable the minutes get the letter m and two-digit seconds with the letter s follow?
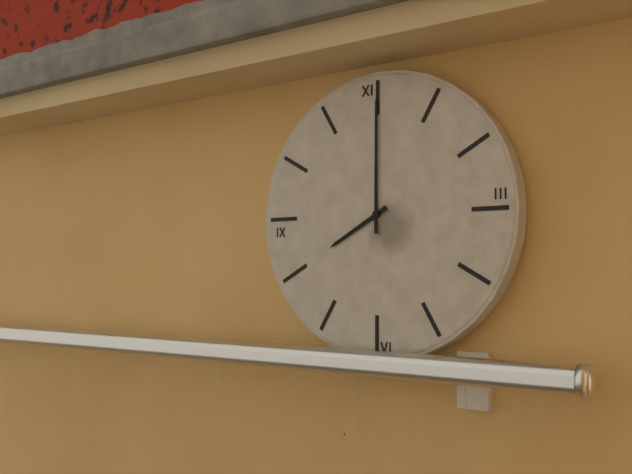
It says 8h00
